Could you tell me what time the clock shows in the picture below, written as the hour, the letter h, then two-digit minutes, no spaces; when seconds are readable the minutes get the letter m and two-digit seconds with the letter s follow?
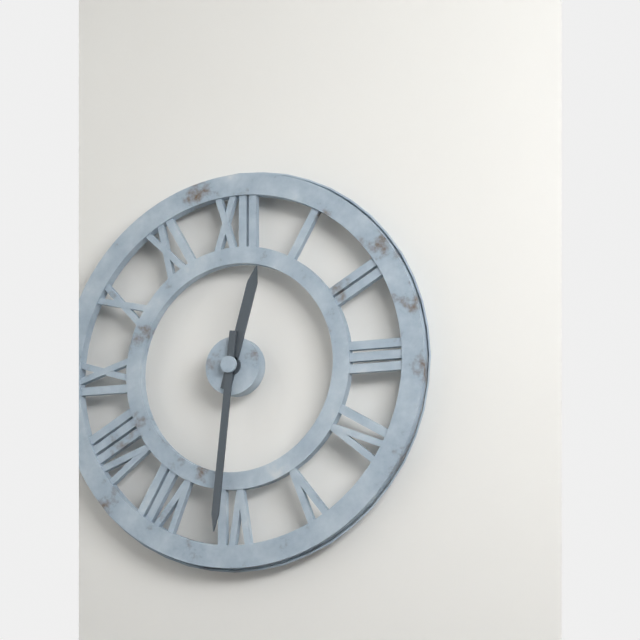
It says 12h31
